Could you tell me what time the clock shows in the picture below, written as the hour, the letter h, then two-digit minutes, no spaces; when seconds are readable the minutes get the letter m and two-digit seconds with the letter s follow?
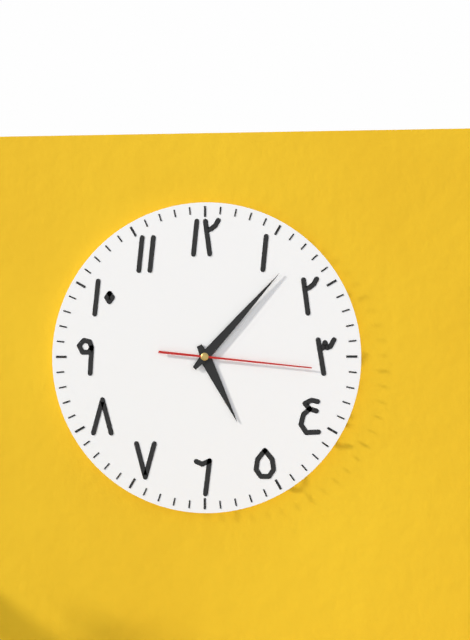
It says 5h07m16s
